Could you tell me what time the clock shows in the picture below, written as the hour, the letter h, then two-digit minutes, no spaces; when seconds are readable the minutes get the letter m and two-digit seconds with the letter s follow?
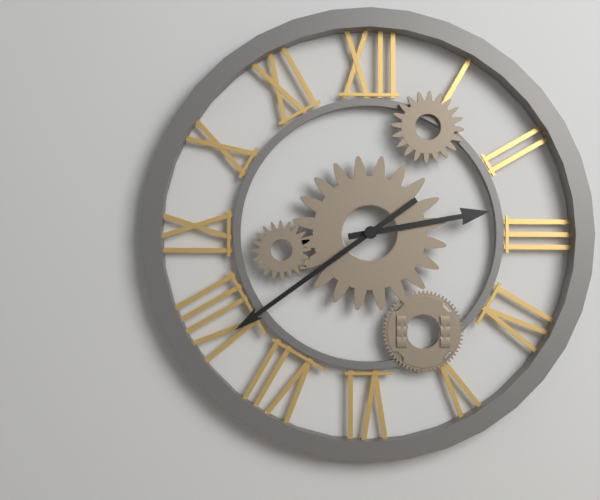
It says 2h39
